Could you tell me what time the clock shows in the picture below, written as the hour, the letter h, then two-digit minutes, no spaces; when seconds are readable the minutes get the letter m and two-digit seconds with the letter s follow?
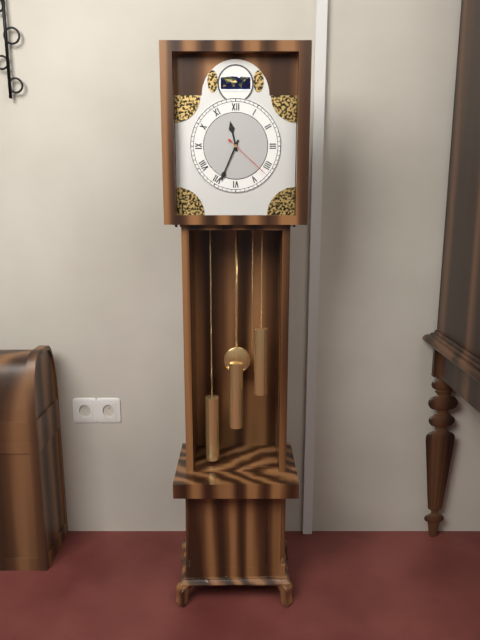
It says 11h34
